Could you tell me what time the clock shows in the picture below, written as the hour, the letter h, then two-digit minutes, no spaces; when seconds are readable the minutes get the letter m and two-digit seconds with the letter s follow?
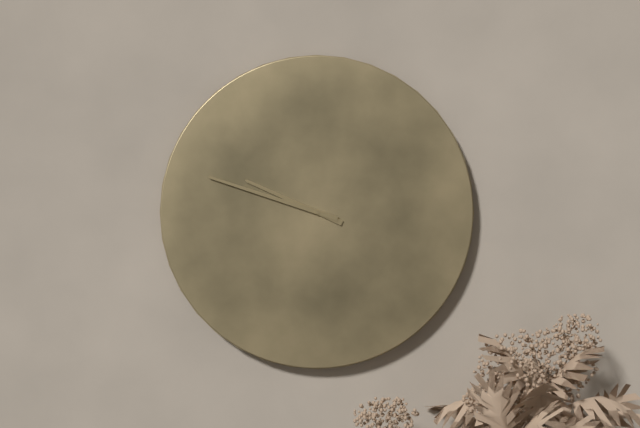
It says 9h48
